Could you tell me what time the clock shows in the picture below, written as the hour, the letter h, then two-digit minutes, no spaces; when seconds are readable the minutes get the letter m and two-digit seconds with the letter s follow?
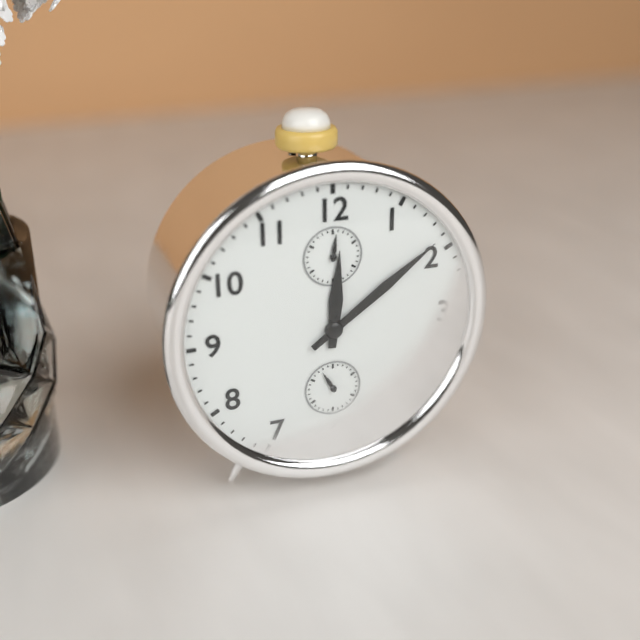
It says 12h09
